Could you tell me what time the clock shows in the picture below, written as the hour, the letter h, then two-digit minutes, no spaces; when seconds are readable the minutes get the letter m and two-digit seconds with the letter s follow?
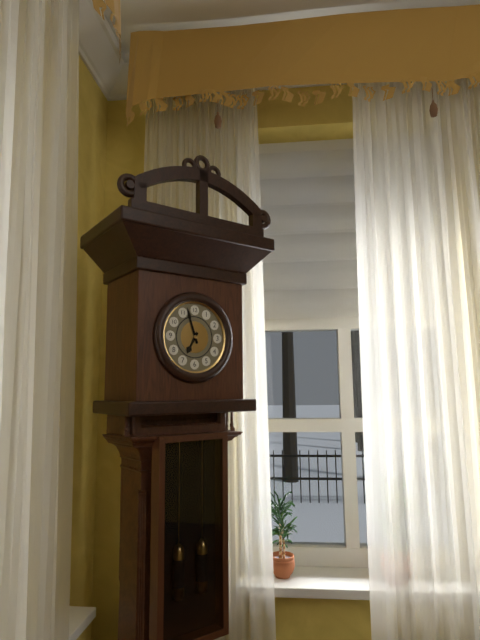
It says 6h57
